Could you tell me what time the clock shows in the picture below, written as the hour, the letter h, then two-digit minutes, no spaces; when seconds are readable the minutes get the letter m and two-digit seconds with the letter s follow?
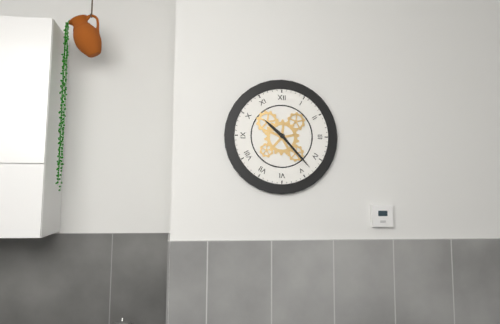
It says 10h23
